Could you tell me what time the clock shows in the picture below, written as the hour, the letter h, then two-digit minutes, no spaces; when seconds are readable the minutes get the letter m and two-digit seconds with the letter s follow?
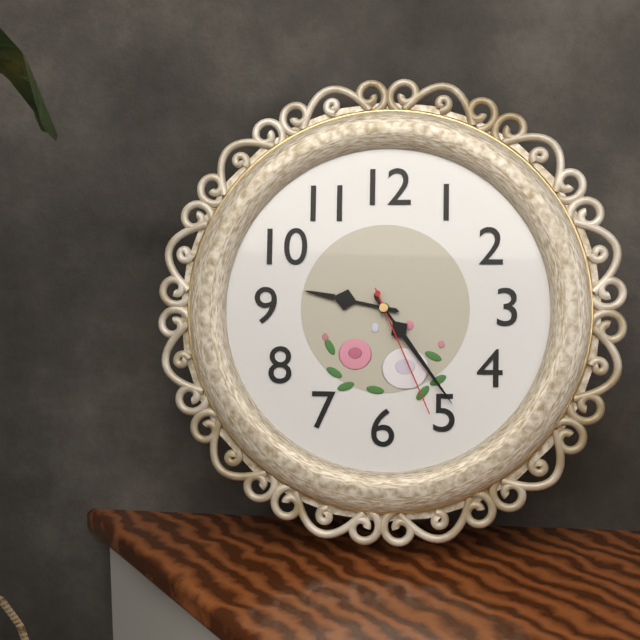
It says 9h24m26s
